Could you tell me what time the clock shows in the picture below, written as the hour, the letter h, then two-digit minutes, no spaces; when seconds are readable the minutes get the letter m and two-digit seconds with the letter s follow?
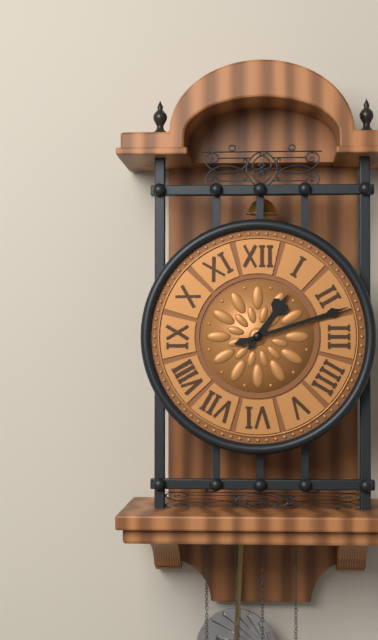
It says 1h12
